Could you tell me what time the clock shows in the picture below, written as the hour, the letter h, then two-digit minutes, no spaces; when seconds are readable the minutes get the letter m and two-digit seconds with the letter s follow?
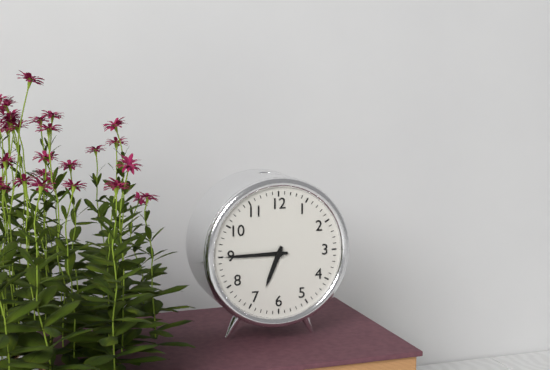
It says 6h45
